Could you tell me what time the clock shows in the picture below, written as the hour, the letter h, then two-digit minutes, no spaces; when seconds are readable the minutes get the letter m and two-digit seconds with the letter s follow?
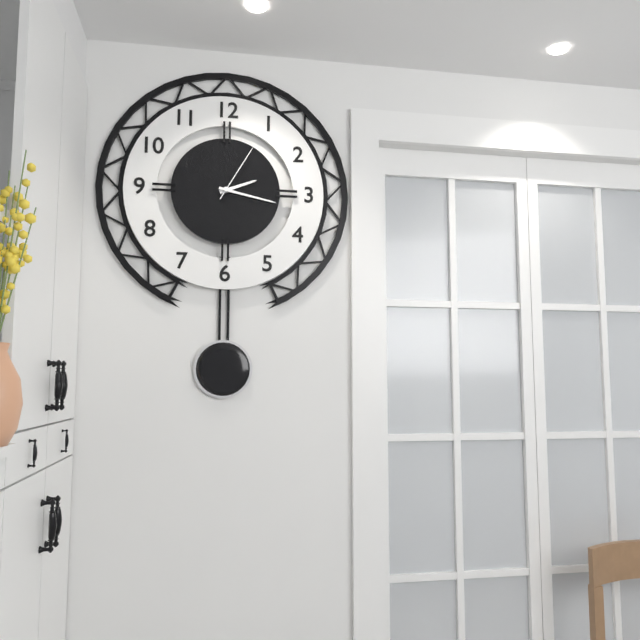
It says 2h17m05s
